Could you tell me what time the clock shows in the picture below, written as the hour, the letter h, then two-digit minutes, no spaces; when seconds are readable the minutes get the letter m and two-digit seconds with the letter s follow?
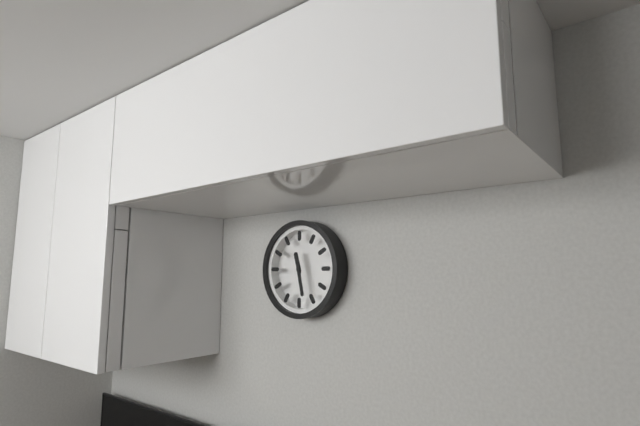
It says 11h28
